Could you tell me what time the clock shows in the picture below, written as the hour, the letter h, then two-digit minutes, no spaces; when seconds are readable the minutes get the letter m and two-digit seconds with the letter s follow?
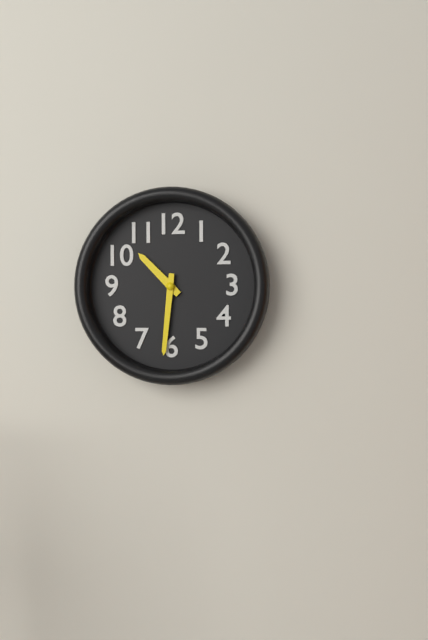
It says 10h31
